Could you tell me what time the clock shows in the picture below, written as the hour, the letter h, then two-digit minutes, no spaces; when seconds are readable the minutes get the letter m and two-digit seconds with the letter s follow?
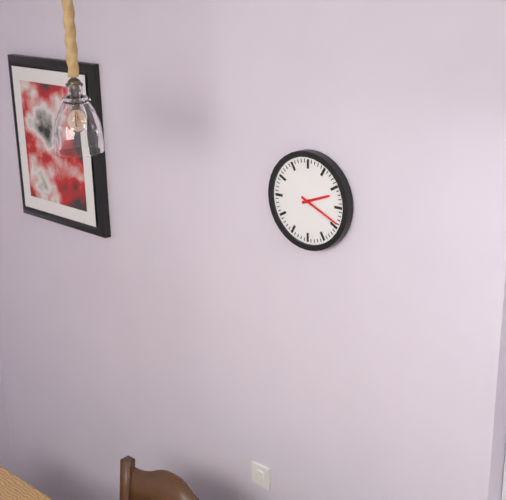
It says 2h19
